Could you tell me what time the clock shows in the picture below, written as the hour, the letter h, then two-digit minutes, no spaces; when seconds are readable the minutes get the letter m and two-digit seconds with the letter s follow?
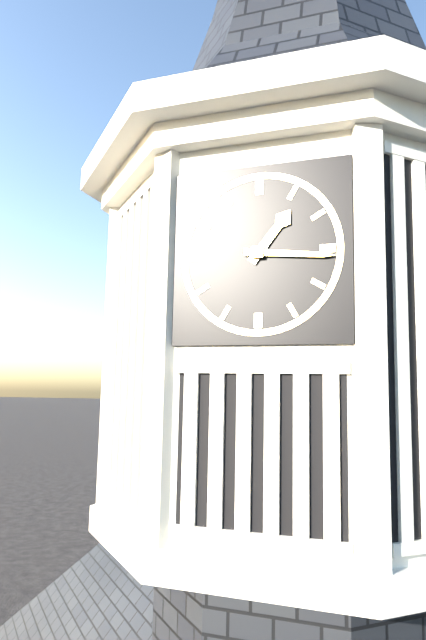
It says 1h16
